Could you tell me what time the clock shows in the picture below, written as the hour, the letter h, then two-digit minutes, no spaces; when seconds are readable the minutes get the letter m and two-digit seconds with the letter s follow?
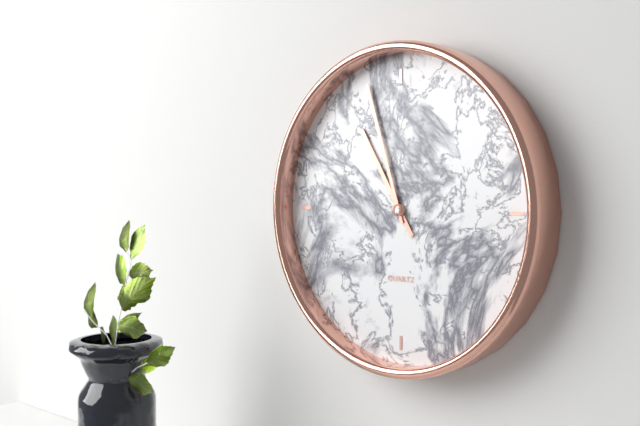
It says 10h57
